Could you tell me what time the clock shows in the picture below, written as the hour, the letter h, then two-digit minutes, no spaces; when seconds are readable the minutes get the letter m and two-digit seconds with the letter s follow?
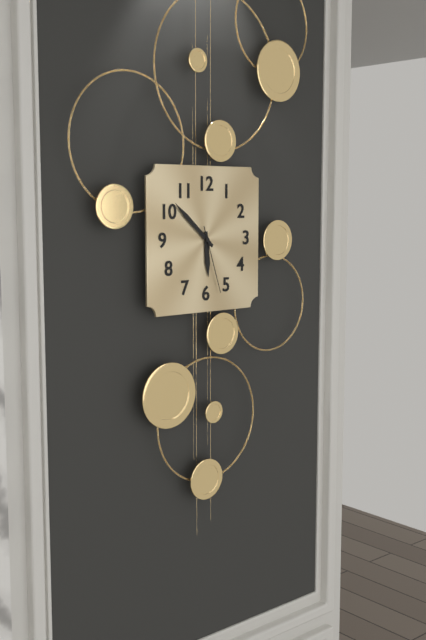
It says 5h52m27s
